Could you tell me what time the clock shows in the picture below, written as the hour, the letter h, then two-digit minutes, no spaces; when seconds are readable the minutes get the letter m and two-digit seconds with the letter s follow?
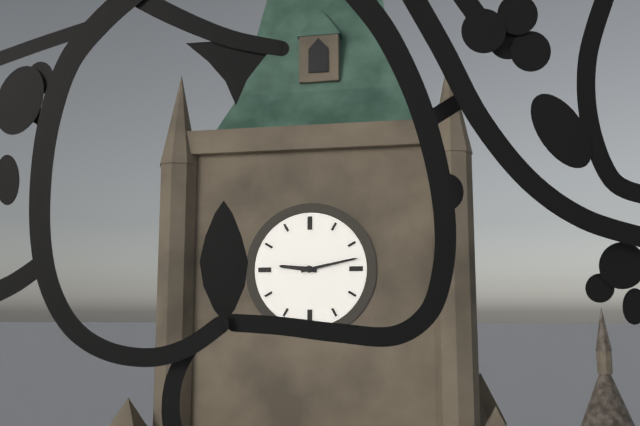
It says 9h13
